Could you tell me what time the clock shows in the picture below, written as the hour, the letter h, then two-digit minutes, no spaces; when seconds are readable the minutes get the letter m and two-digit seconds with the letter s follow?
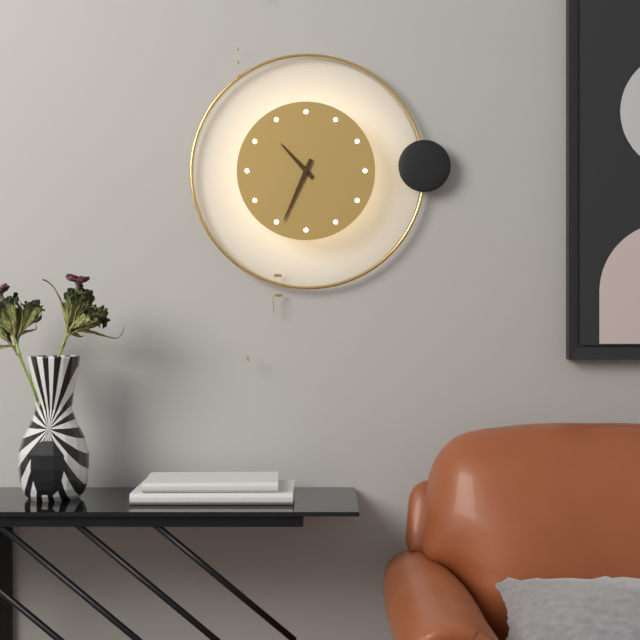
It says 10h34
